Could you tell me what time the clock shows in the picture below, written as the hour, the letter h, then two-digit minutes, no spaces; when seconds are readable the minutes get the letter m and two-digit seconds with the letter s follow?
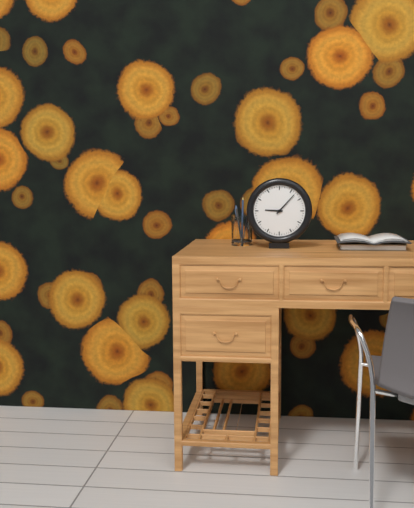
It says 9h07
